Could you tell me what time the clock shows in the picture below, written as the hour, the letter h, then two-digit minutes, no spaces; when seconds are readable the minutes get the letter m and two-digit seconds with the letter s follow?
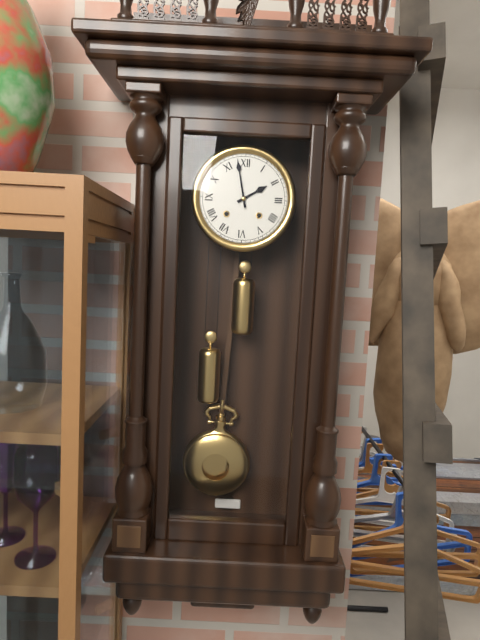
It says 1h58
